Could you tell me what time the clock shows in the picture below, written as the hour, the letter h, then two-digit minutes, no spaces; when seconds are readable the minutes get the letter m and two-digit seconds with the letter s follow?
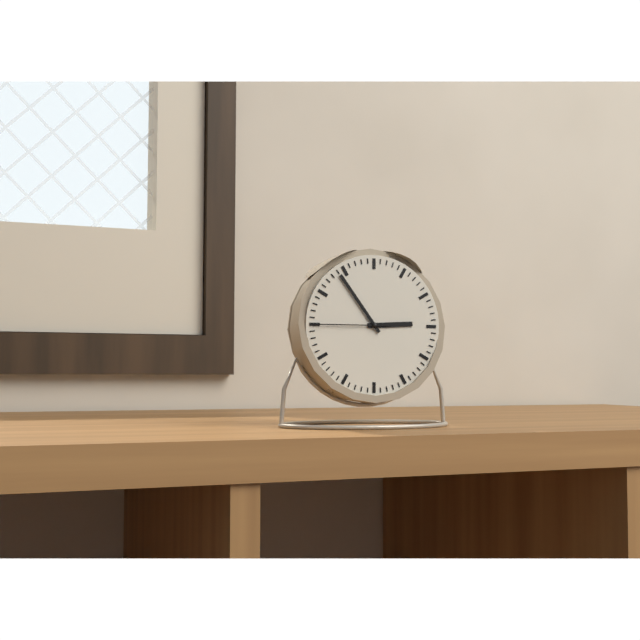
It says 2h54m45s
